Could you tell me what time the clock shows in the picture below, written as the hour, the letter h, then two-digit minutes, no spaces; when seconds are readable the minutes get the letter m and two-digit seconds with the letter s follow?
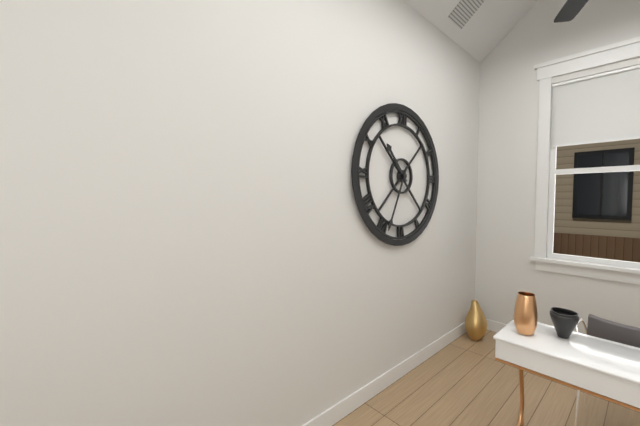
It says 10h34
